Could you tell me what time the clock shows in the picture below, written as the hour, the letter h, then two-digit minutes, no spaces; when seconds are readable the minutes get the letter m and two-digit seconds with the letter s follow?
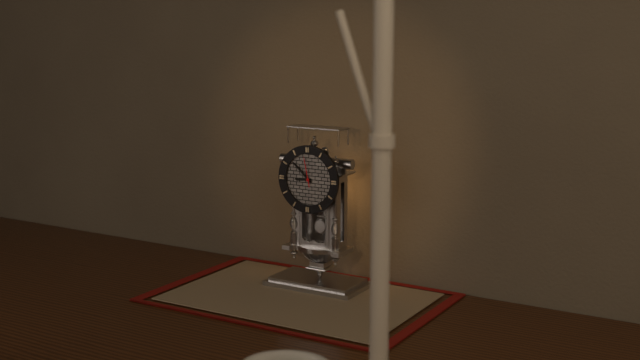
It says 8h52
